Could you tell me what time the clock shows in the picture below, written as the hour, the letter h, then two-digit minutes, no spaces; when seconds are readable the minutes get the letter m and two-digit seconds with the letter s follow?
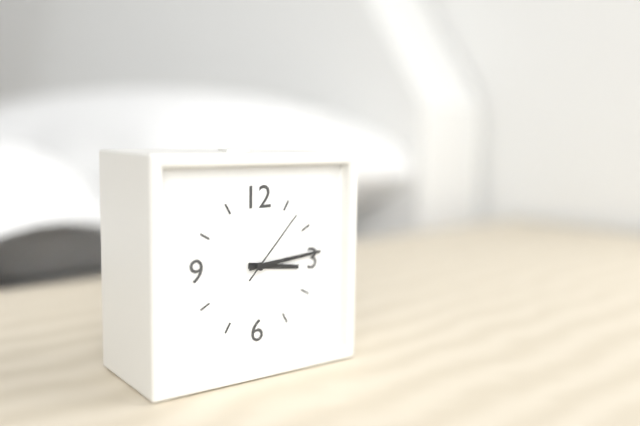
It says 3h14m07s
